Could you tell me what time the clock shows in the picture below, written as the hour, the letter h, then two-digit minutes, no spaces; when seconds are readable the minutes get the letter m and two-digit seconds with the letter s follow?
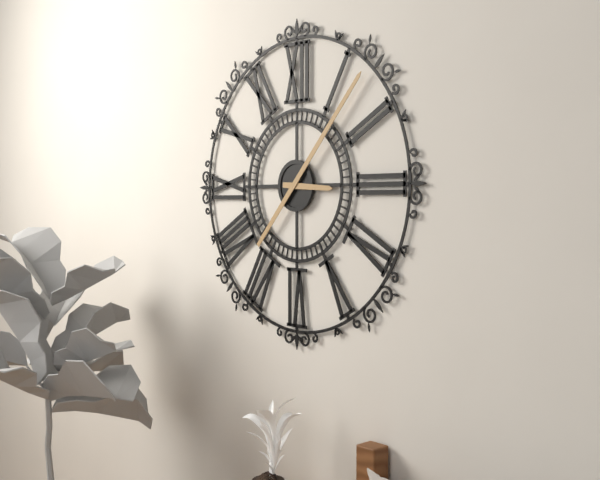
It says 3h07
